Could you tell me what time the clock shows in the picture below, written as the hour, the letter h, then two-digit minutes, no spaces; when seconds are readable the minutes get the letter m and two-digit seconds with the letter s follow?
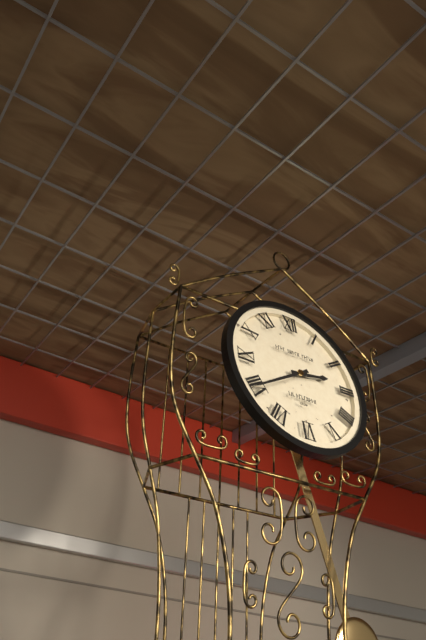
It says 2h40
